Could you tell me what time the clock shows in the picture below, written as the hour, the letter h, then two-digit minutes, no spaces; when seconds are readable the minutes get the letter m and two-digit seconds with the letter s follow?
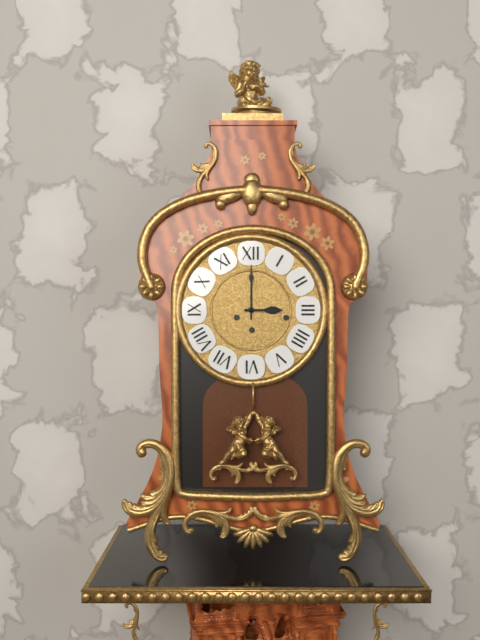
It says 3h00
